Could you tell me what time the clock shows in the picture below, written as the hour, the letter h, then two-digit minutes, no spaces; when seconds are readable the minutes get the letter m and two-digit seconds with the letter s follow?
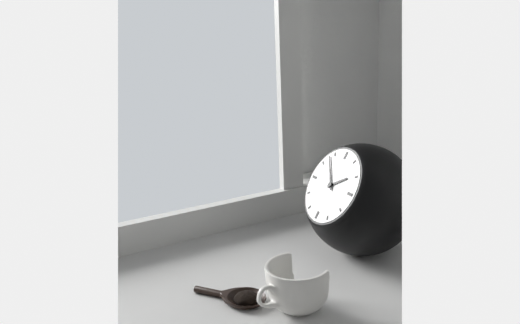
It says 1h53
